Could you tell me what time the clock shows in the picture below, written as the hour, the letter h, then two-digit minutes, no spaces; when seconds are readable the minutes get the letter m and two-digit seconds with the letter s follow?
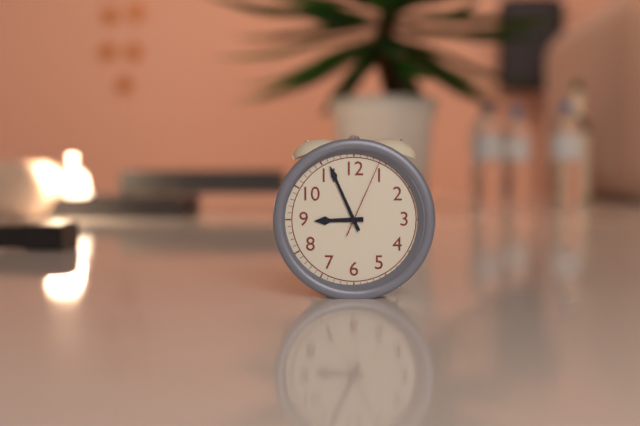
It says 8h56m04s
